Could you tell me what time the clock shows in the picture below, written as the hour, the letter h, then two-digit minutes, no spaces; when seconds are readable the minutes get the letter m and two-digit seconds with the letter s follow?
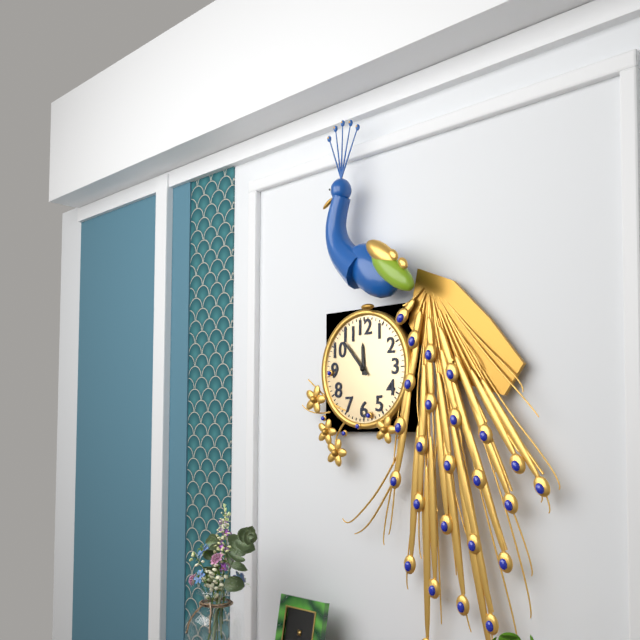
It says 11h53
